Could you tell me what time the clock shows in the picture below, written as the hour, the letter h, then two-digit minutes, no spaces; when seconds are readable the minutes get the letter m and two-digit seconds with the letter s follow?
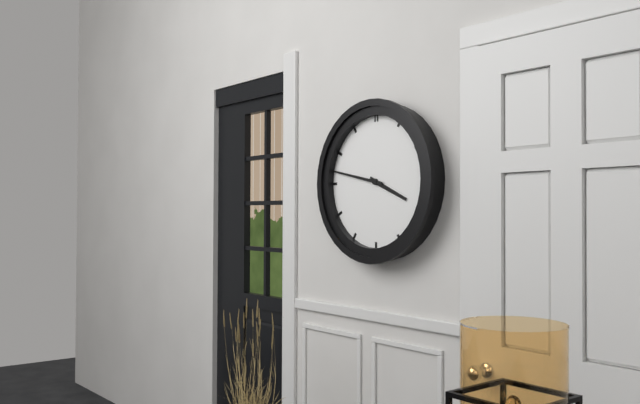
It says 3h47
